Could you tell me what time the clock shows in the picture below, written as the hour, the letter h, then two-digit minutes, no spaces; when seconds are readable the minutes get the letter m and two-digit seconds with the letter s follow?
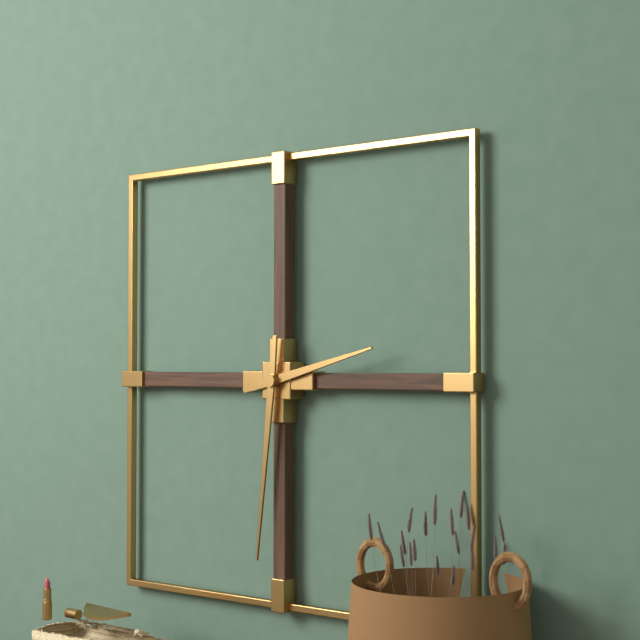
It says 2h31
